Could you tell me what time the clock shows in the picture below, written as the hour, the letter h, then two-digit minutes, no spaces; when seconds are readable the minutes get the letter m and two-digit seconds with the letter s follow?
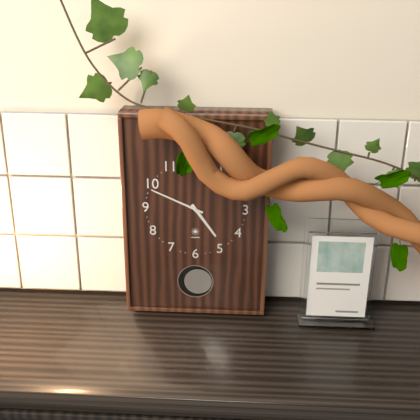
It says 4h49
